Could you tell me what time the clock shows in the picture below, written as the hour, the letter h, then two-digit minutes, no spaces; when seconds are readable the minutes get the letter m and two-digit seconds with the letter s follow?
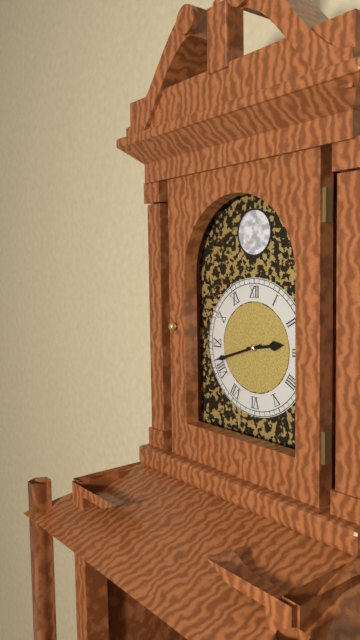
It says 2h42
